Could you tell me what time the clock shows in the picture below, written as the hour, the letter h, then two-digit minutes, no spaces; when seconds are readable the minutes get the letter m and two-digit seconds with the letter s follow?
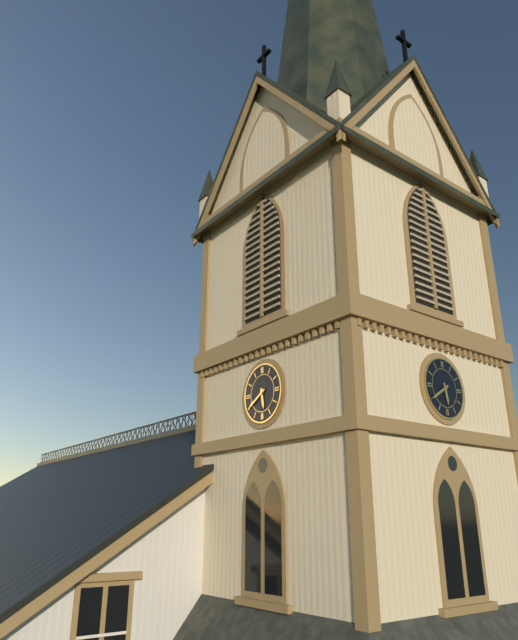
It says 5h40
